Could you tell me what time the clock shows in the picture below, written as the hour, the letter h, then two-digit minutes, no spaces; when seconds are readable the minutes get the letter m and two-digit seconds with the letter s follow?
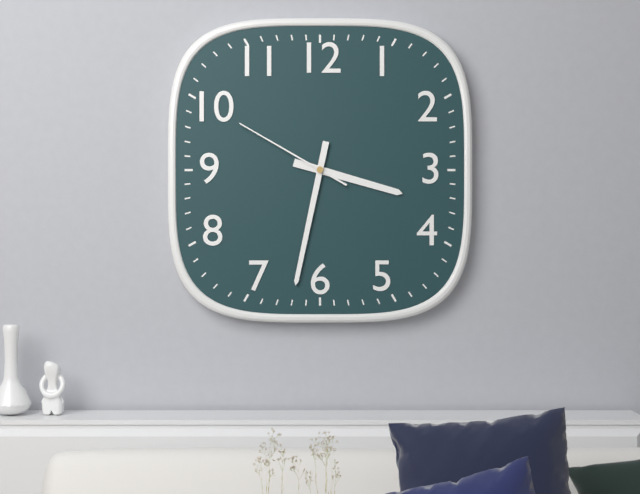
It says 3h32m50s
